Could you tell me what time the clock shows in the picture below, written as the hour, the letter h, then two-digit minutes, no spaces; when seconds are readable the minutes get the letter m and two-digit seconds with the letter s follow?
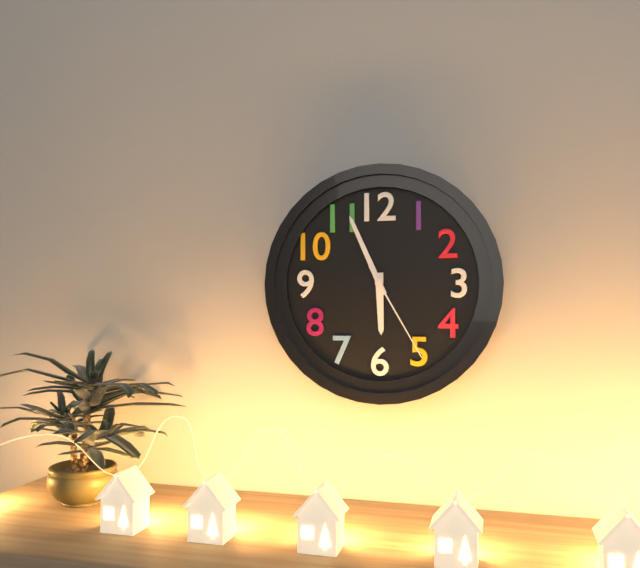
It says 5h56m25s
